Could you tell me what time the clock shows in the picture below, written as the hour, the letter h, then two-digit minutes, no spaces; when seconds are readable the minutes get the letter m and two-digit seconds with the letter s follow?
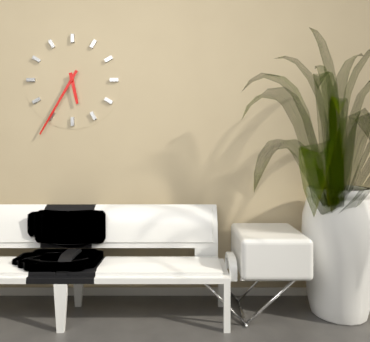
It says 5h35
